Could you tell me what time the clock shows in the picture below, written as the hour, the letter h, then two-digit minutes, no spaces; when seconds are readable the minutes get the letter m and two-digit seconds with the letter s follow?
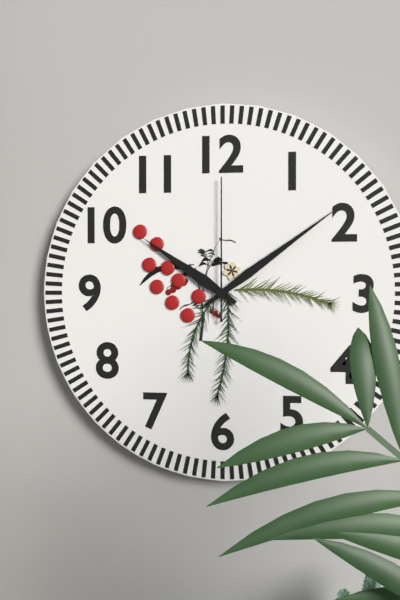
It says 10h09m00s
